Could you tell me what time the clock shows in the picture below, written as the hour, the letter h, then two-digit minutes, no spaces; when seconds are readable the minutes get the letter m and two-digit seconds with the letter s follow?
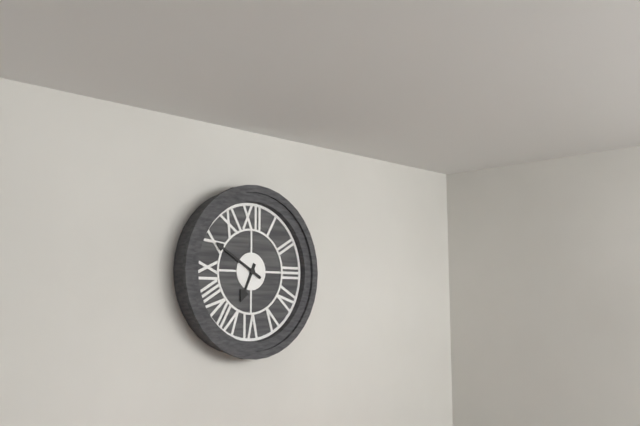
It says 6h50
